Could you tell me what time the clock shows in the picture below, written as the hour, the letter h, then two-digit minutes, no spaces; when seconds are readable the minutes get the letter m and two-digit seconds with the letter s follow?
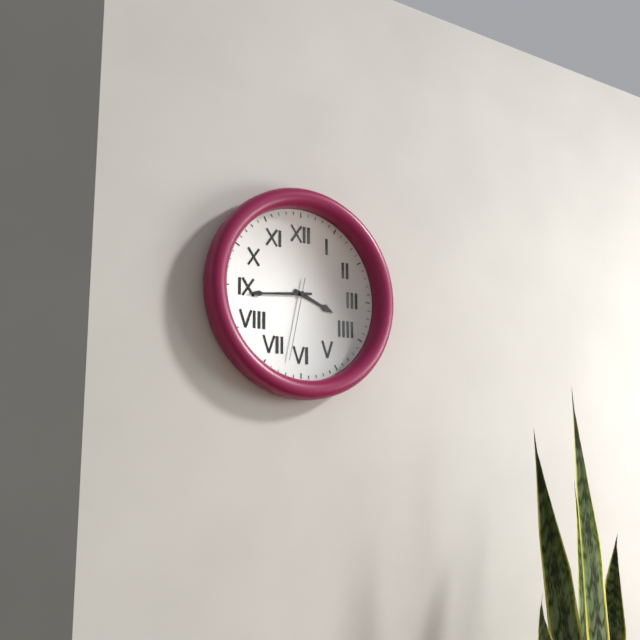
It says 3h44m32s
